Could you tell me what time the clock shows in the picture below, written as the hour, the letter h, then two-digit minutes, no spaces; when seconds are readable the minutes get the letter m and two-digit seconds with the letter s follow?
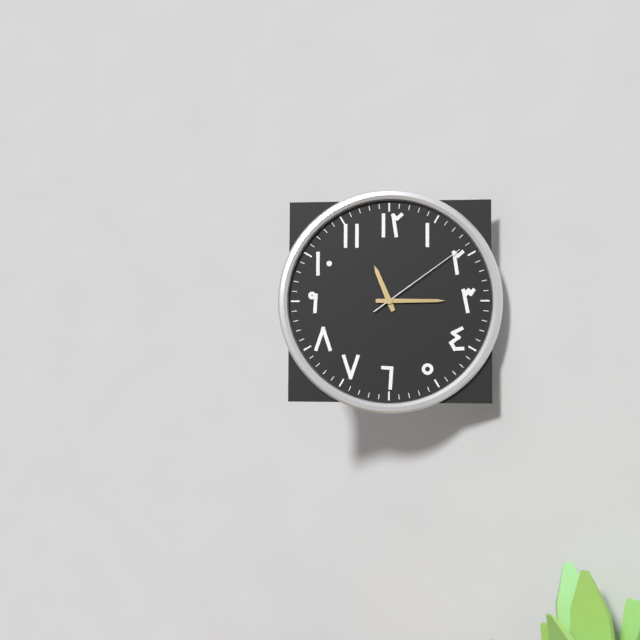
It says 11h15m09s
